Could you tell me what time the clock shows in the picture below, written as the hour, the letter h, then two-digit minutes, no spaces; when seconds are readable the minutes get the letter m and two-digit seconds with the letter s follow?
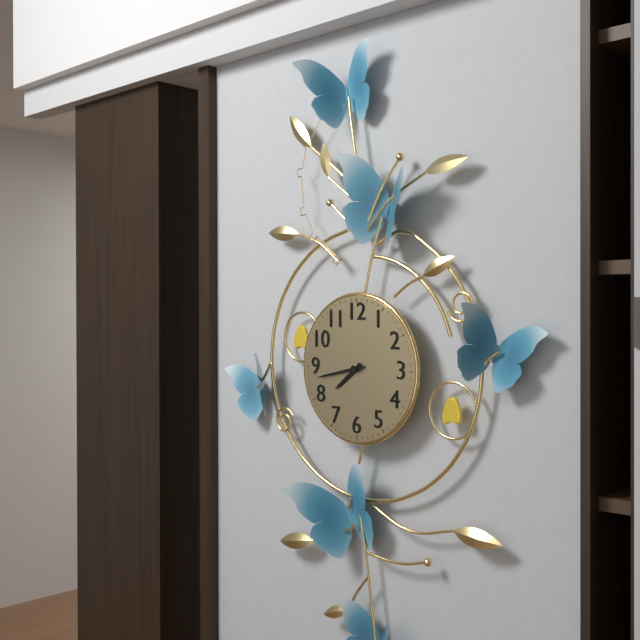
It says 7h43
